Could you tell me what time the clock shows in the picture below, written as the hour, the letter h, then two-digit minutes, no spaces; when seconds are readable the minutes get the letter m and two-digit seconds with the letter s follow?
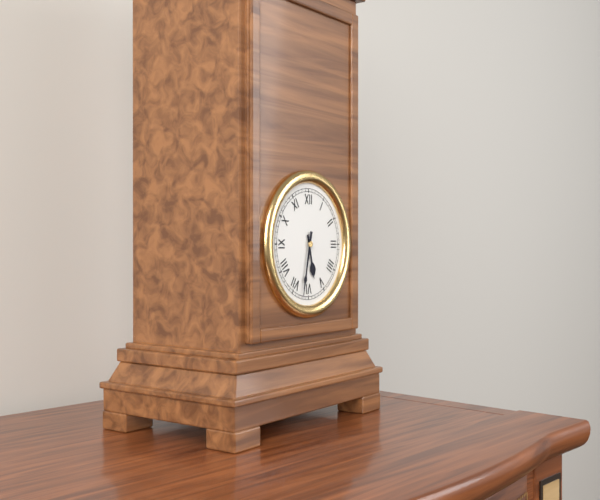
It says 5h32
